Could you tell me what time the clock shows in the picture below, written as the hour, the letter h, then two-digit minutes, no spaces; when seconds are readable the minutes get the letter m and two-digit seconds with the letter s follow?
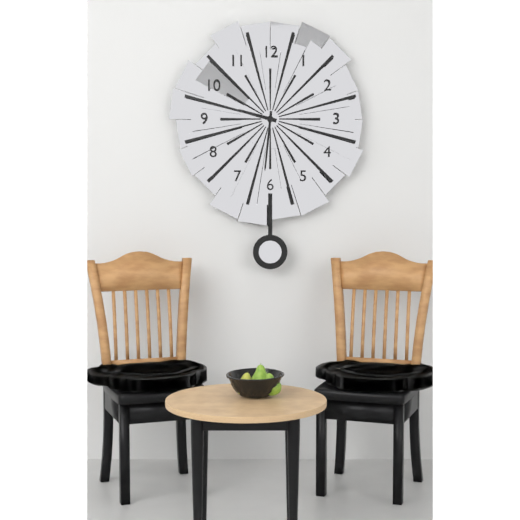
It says 9h31
